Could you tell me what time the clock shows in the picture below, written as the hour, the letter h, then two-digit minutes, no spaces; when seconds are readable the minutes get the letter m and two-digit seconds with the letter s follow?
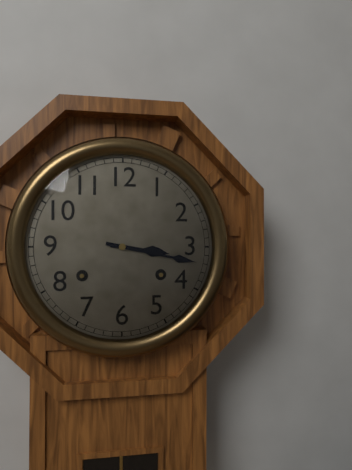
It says 3h17
